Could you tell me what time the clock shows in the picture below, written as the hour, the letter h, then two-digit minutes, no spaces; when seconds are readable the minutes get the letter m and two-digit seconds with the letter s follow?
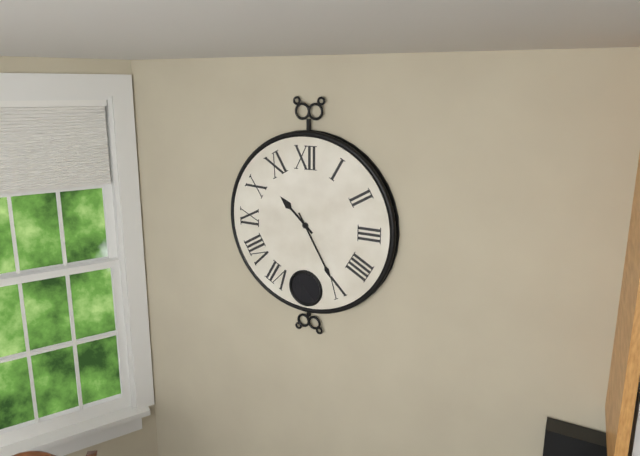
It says 10h25
